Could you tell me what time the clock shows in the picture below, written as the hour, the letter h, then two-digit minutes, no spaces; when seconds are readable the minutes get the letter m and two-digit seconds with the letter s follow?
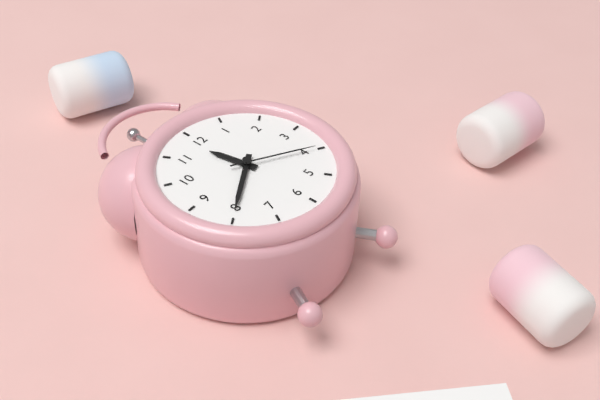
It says 11h40m20s
